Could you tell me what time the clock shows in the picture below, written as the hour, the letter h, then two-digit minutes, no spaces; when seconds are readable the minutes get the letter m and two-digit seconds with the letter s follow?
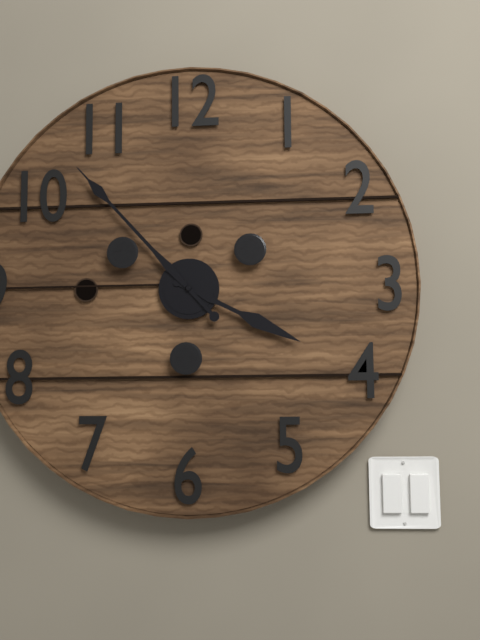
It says 3h53
